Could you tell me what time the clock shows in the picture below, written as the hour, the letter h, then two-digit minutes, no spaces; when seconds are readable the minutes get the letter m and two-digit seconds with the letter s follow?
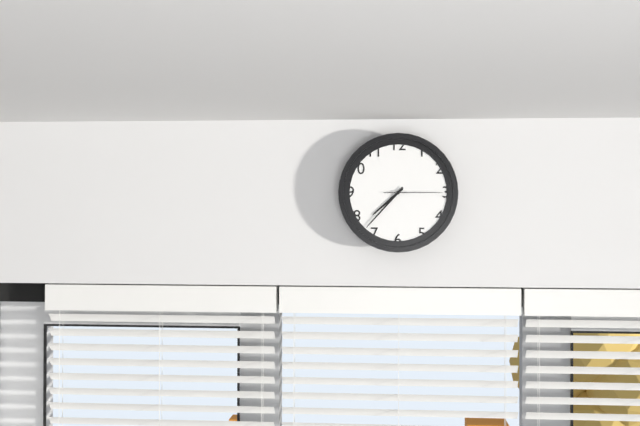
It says 7h37m15s
